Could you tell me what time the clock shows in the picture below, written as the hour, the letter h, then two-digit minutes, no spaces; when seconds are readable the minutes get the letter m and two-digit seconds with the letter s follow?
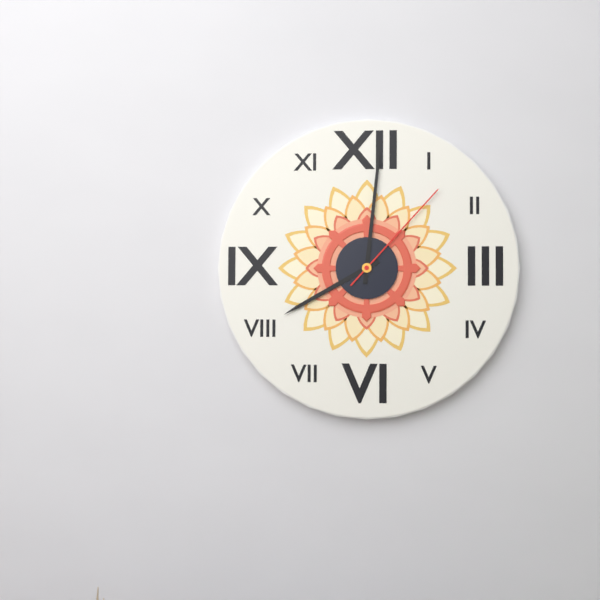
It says 8h01m07s
